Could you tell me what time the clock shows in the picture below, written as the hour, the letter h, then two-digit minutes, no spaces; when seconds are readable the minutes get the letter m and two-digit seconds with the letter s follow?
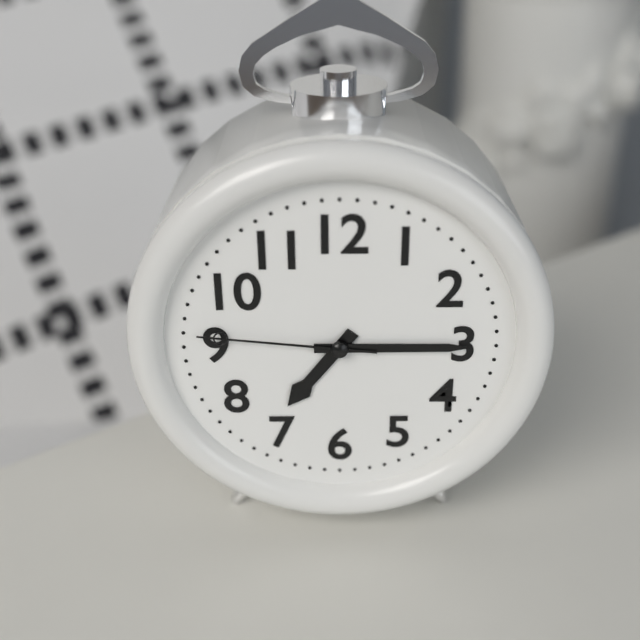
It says 7h15m46s
